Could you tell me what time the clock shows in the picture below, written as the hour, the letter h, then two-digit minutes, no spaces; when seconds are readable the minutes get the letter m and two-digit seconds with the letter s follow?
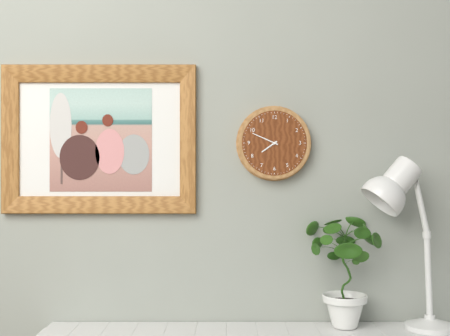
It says 7h49
